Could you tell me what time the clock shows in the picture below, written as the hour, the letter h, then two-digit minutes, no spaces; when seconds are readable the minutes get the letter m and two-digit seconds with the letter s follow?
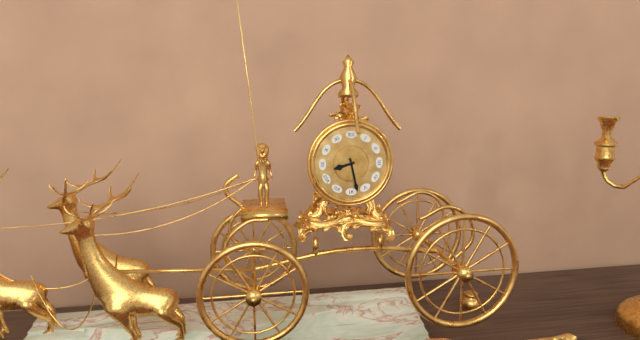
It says 8h28
